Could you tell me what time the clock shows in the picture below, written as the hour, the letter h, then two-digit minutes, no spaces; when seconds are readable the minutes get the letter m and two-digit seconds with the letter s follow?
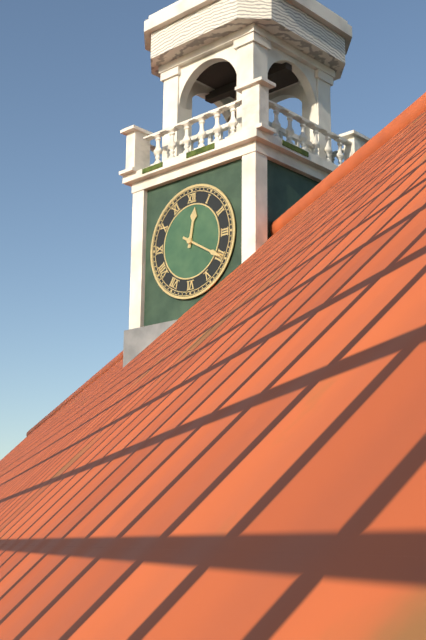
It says 12h20
